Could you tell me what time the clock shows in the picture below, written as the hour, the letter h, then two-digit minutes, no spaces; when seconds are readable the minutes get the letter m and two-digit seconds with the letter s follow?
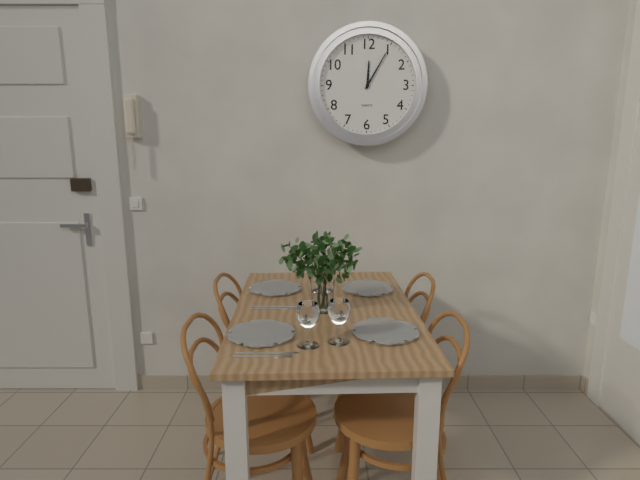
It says 12h05
